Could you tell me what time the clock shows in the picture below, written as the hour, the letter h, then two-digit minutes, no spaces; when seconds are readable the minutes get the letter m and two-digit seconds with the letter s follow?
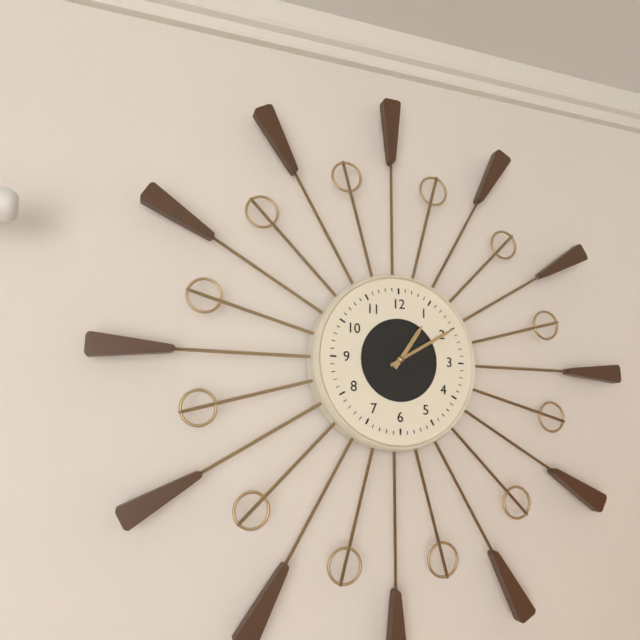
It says 1h10
